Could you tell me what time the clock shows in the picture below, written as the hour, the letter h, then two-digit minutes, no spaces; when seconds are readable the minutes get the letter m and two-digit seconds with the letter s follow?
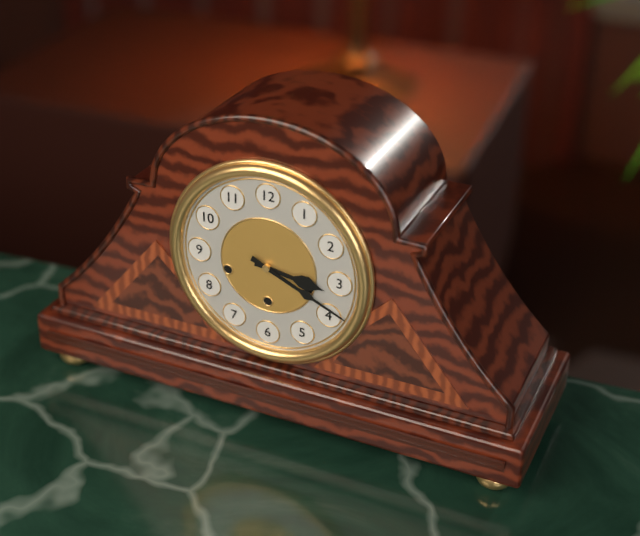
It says 3h19
